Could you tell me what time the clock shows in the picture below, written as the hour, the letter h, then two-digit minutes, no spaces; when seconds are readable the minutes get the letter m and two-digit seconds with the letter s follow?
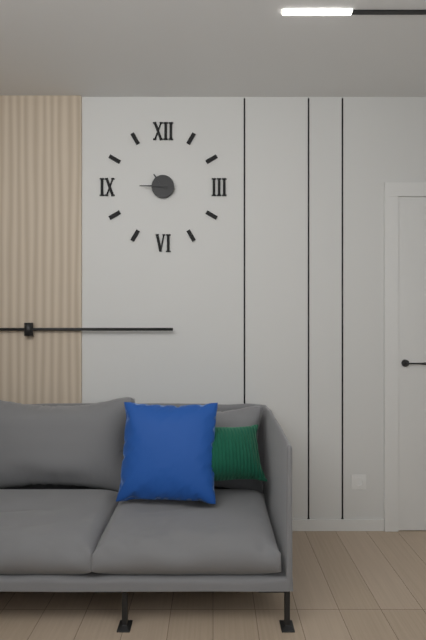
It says 10h45
